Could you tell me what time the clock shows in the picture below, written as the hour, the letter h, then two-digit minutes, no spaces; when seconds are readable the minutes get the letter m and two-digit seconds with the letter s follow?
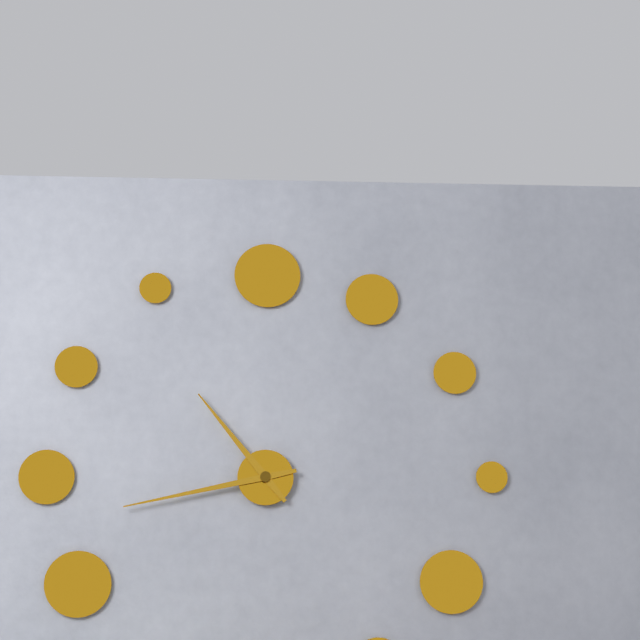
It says 10h43
